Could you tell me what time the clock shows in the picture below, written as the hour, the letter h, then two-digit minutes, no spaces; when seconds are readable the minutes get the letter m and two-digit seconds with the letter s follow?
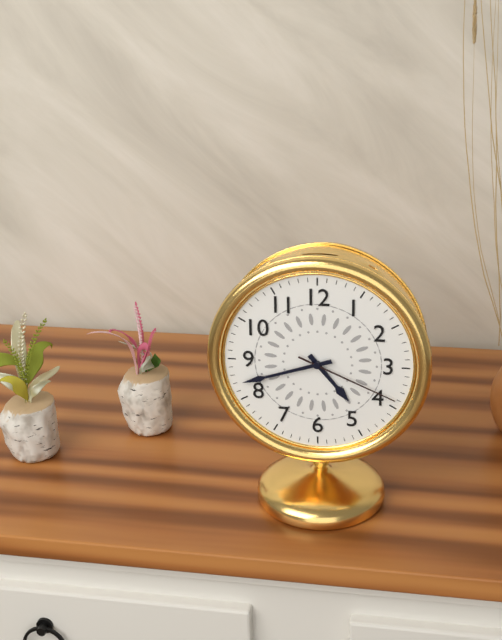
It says 4h42m19s
